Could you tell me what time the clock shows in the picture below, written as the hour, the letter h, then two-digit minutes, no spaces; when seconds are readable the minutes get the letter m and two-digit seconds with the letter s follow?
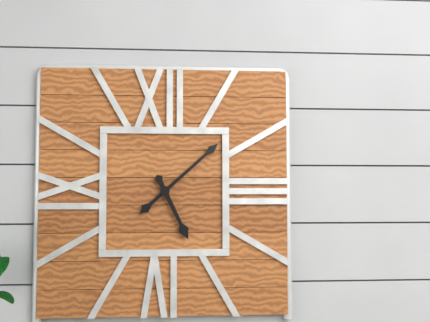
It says 5h08
